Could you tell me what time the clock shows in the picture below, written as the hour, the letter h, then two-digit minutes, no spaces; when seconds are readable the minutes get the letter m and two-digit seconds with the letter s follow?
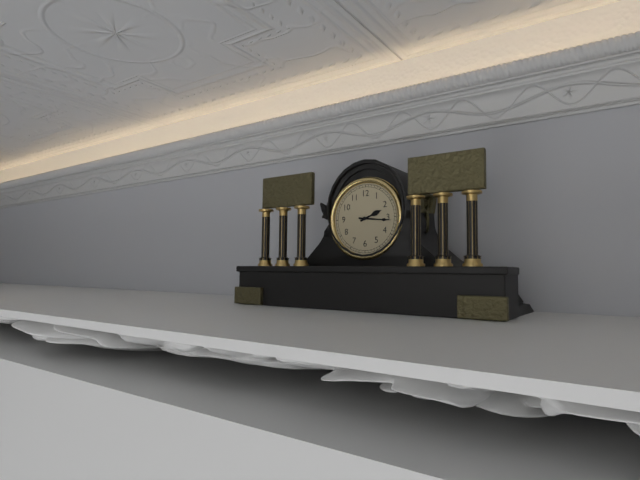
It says 2h16
